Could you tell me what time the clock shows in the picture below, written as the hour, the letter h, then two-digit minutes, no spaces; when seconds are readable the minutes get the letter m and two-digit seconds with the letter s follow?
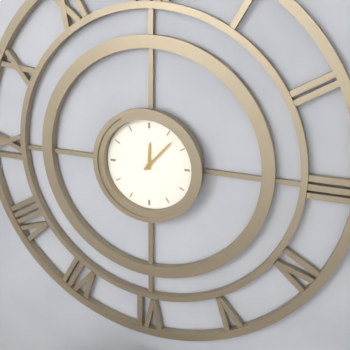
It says 12h07
